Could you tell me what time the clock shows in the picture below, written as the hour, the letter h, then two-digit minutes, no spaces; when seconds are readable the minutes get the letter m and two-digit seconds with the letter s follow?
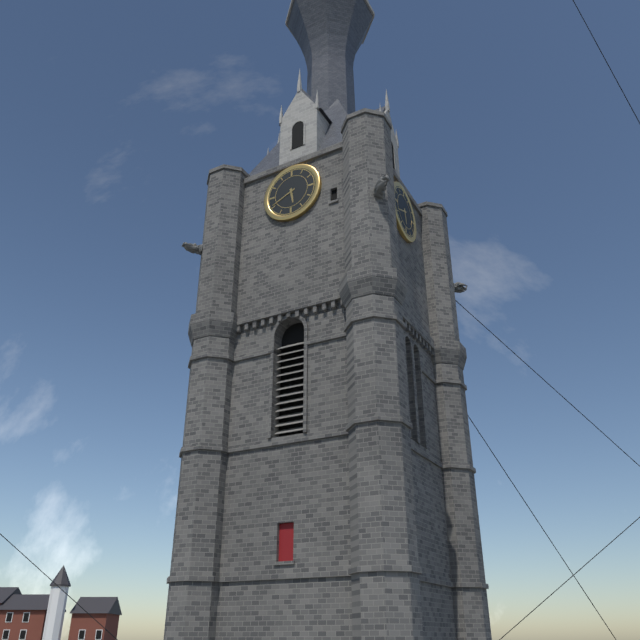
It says 5h41
